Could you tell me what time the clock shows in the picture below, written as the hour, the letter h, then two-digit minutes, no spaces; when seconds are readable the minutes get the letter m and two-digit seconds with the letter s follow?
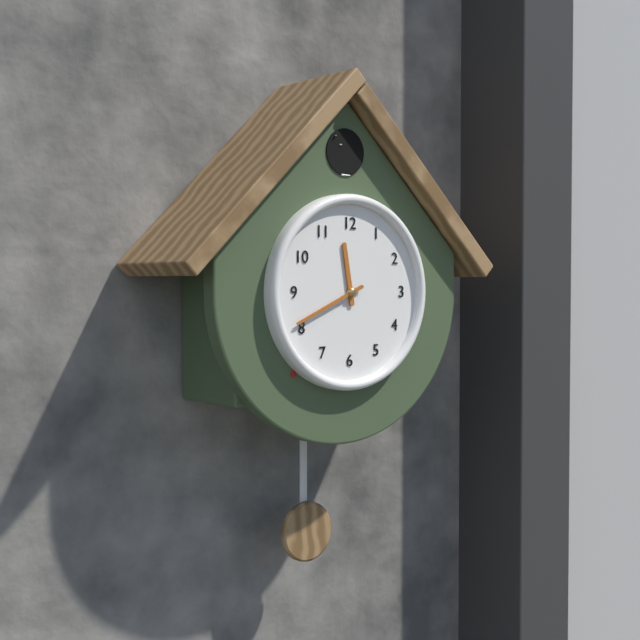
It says 11h41
